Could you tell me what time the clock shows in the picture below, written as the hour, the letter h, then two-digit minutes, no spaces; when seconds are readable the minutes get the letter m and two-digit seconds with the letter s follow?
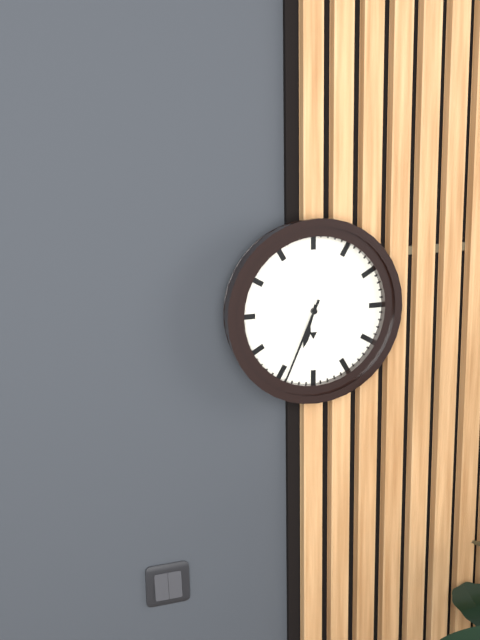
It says 6h34
